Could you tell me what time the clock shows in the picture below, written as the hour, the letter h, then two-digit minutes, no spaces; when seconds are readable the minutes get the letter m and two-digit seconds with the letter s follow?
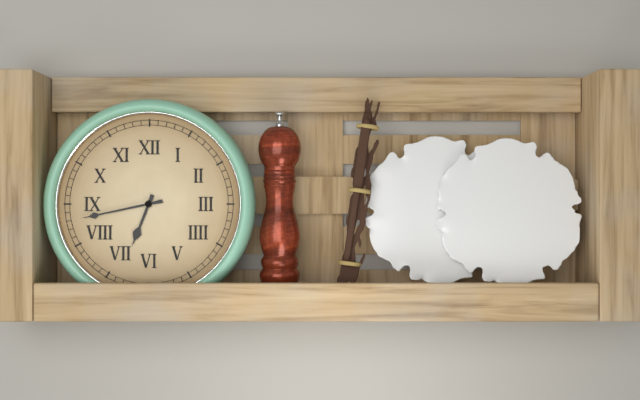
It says 6h43
